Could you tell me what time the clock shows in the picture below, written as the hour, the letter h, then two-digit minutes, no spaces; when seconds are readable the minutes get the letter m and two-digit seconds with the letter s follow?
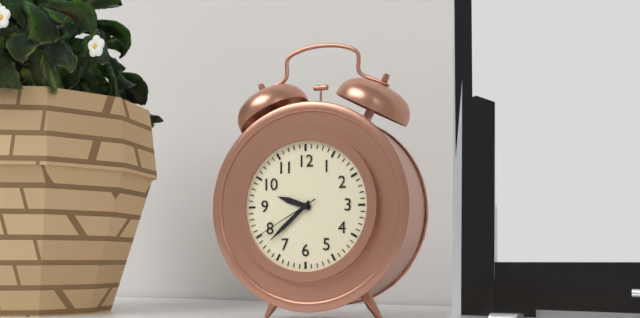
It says 9h38m40s
